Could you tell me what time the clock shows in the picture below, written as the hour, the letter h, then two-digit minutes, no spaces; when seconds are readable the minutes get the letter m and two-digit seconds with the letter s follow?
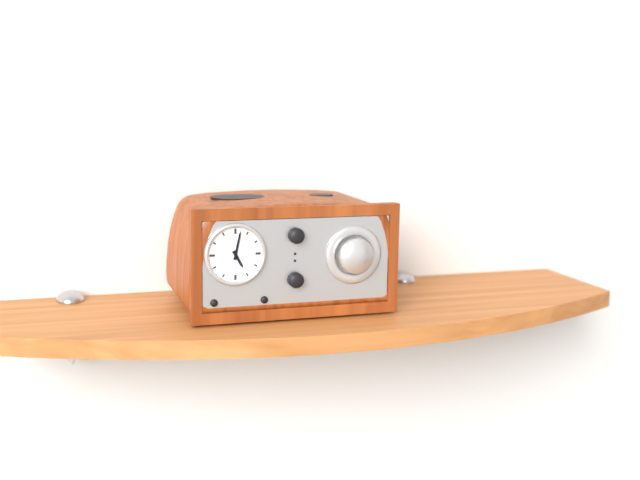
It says 5h02
